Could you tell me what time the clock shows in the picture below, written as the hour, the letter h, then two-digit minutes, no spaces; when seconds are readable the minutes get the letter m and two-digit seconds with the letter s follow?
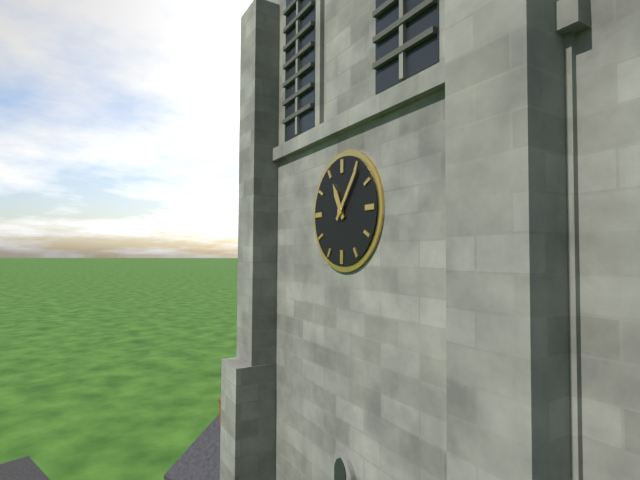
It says 11h06
